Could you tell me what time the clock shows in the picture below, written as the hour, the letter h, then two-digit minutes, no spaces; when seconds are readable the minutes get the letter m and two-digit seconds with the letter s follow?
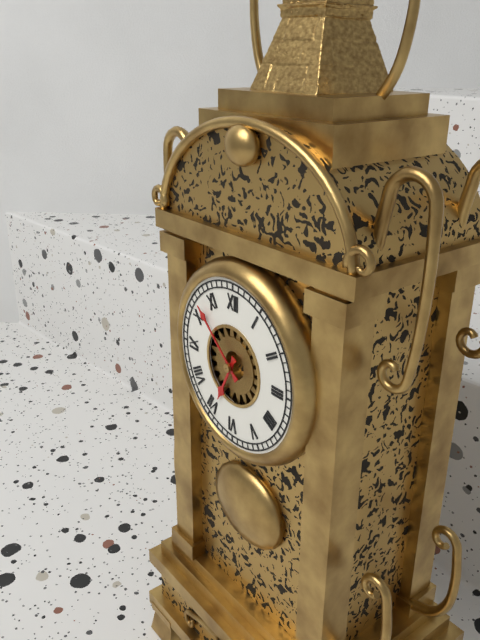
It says 6h52
